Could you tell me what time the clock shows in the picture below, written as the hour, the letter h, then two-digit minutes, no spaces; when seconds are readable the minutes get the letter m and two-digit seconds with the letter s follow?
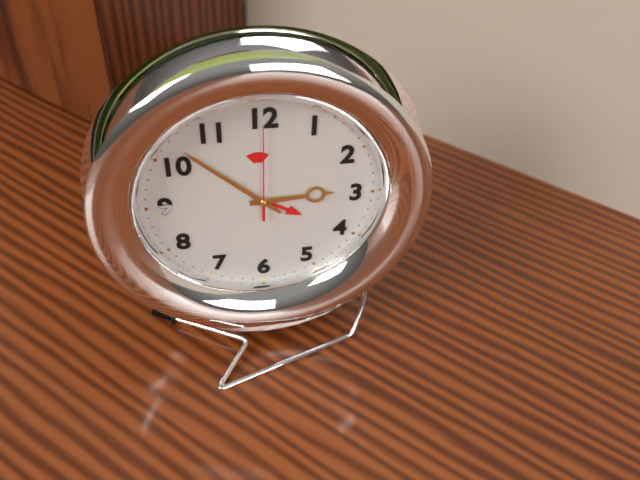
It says 2h52m00s
